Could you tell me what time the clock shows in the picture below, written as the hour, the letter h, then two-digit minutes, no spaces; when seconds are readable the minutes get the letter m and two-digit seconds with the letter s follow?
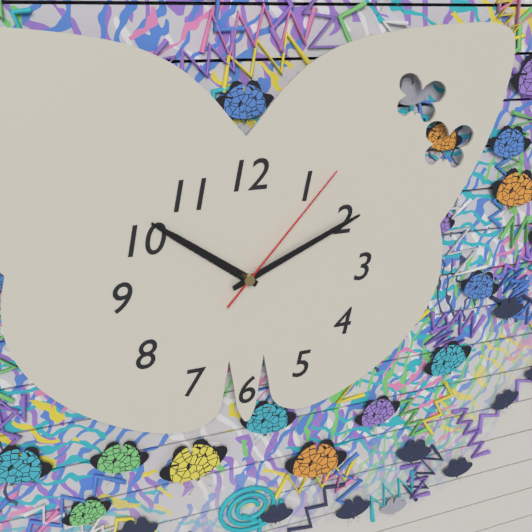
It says 10h11m07s
